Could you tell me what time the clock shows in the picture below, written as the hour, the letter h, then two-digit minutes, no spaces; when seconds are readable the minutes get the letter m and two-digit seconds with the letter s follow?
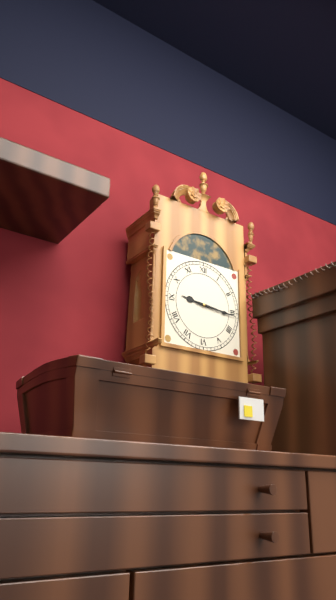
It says 9h16
